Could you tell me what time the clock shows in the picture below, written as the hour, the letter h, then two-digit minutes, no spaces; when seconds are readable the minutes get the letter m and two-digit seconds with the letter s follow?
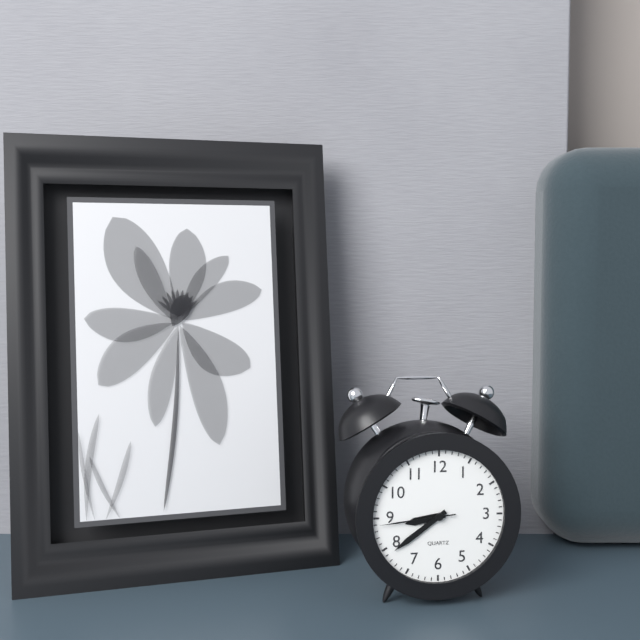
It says 8h39m44s
